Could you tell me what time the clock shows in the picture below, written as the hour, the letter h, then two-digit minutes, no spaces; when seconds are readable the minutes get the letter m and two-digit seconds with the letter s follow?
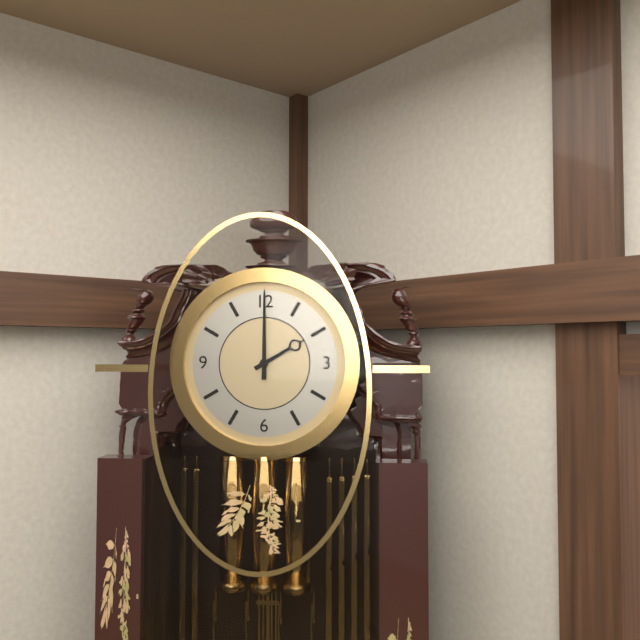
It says 2h00
